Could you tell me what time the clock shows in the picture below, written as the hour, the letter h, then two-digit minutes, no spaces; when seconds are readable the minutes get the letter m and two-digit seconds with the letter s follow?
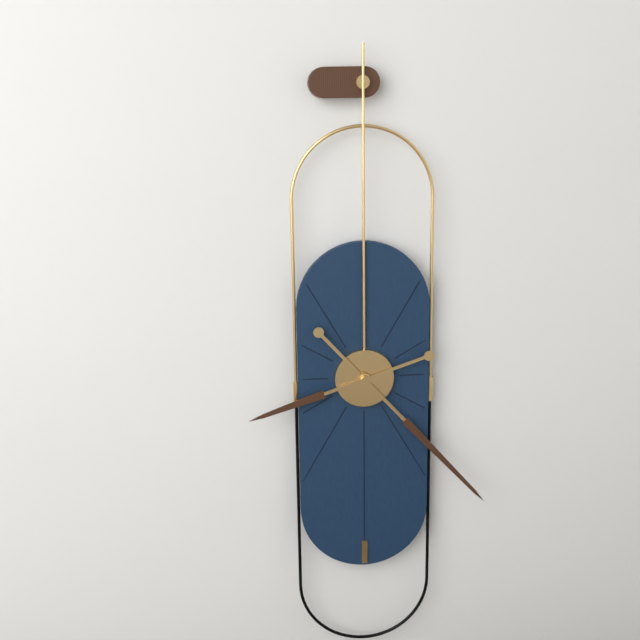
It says 8h23
